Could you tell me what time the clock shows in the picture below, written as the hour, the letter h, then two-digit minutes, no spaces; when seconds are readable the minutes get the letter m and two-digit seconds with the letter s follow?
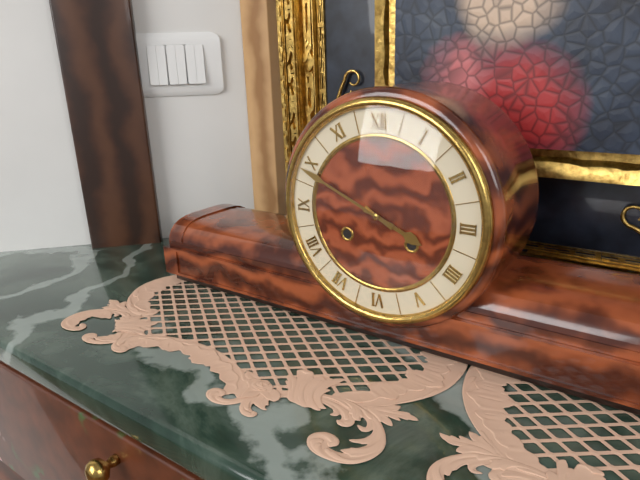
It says 3h49
